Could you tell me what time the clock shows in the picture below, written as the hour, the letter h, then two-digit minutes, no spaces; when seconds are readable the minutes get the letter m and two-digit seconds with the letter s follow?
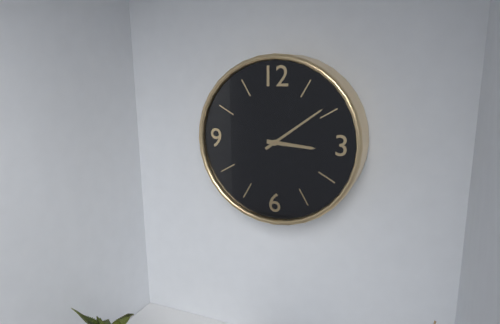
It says 3h09
